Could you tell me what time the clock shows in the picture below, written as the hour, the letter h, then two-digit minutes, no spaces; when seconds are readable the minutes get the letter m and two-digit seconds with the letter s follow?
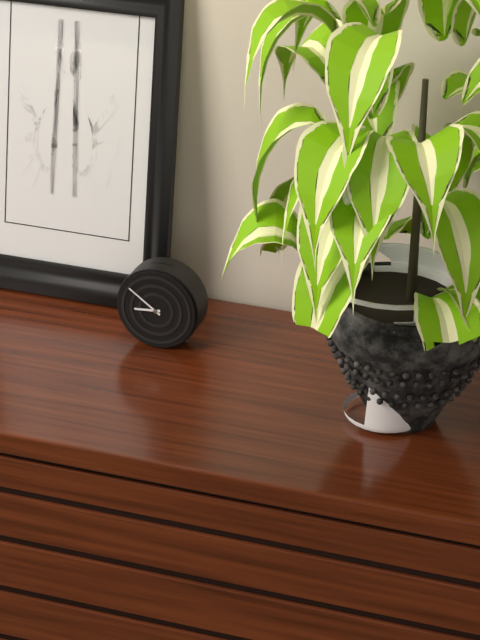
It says 8h51
